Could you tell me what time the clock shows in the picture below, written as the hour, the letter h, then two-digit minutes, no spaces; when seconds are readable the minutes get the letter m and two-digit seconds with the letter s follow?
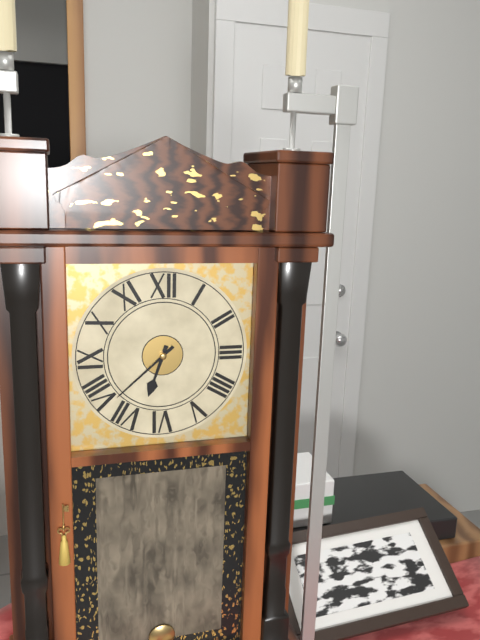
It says 6h38
